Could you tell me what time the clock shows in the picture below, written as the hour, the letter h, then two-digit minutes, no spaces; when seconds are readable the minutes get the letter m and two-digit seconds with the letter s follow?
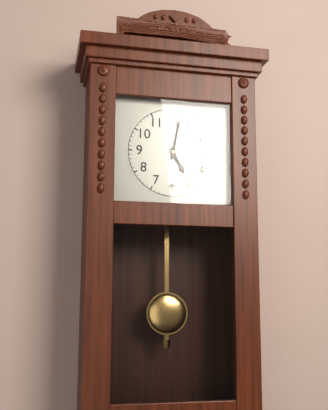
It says 5h02
